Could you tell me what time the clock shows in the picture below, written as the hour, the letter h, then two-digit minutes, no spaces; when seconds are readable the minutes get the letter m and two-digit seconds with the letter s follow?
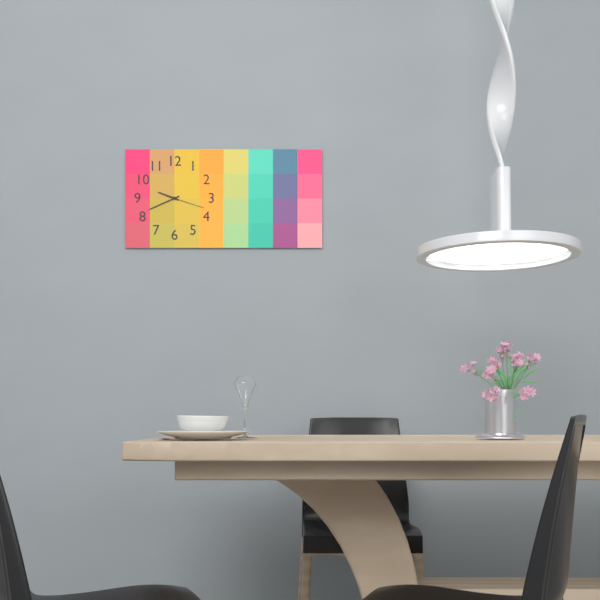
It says 9h41
